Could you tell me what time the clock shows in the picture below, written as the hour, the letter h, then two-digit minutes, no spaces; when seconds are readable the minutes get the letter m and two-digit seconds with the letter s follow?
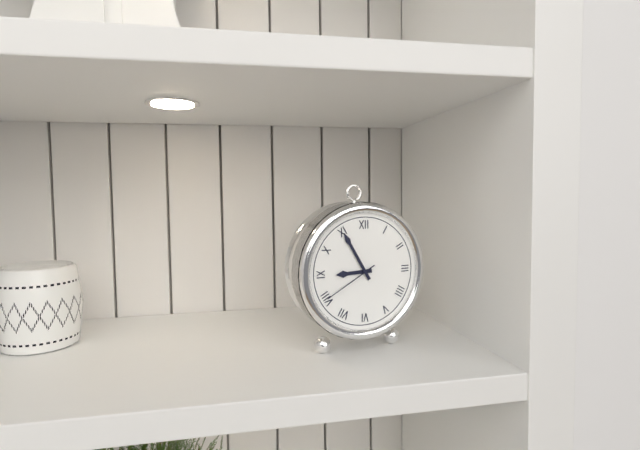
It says 8h55m40s
